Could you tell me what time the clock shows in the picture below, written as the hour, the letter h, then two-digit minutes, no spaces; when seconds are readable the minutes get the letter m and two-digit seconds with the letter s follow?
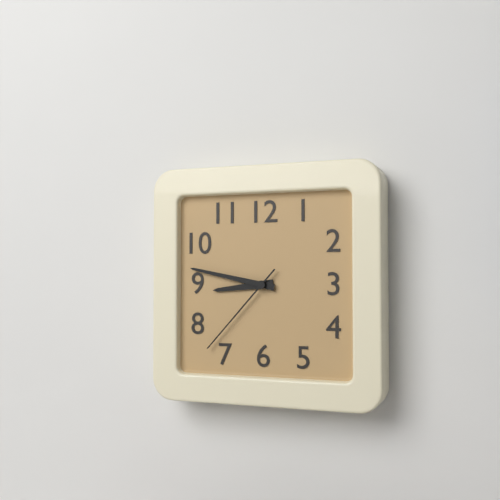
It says 8h47m37s
